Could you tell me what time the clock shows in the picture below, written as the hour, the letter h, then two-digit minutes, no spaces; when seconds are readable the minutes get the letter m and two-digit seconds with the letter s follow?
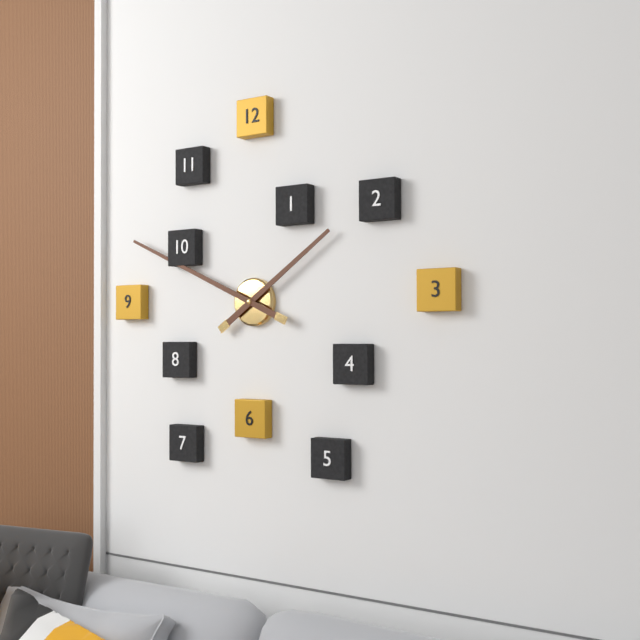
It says 1h49
